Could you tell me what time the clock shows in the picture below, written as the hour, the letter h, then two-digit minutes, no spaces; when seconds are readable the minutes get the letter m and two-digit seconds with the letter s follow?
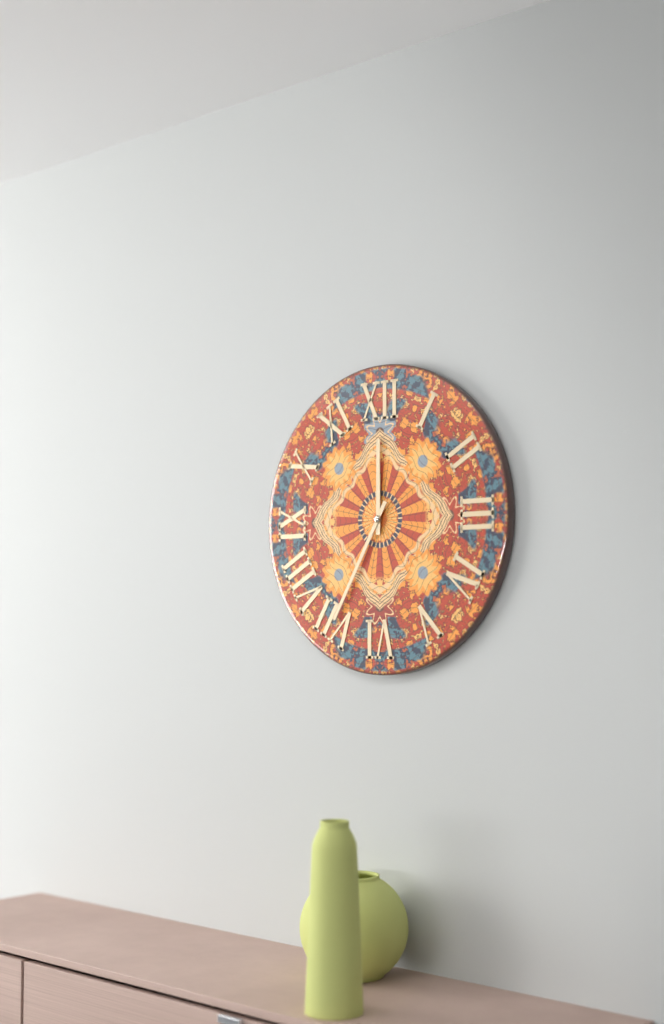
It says 12h00m35s
